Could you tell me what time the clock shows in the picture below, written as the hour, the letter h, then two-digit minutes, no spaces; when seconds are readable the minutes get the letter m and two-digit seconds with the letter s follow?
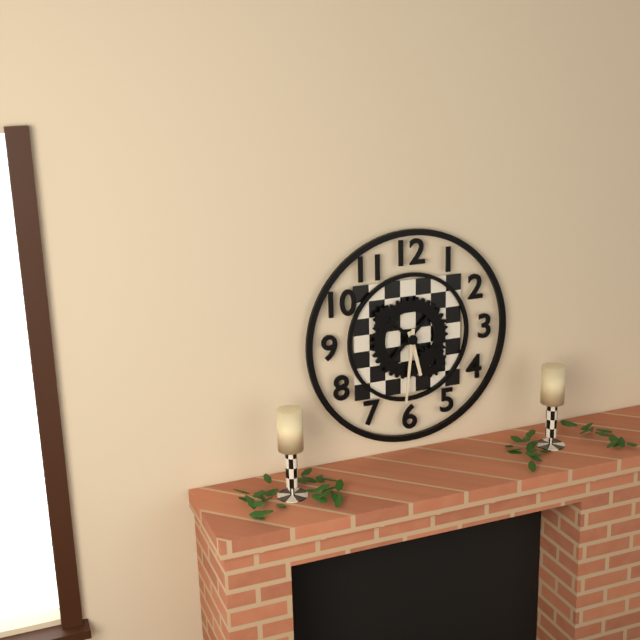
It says 5h31
